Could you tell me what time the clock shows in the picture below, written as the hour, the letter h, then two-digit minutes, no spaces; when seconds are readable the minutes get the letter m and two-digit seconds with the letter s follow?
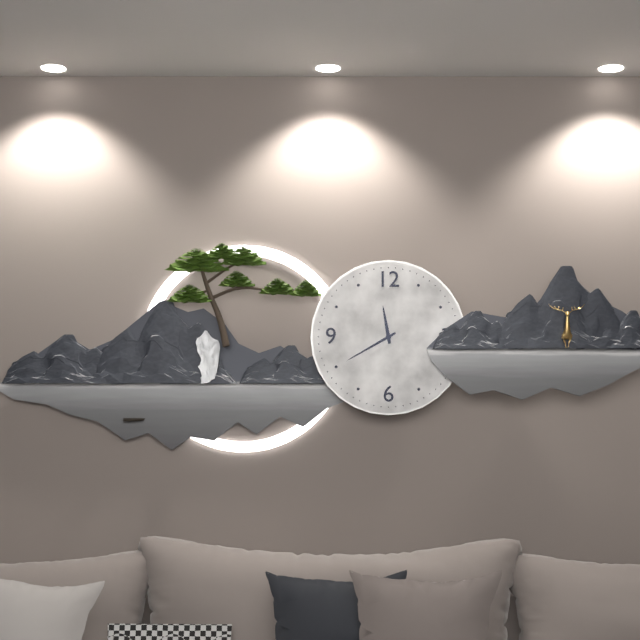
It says 11h40
